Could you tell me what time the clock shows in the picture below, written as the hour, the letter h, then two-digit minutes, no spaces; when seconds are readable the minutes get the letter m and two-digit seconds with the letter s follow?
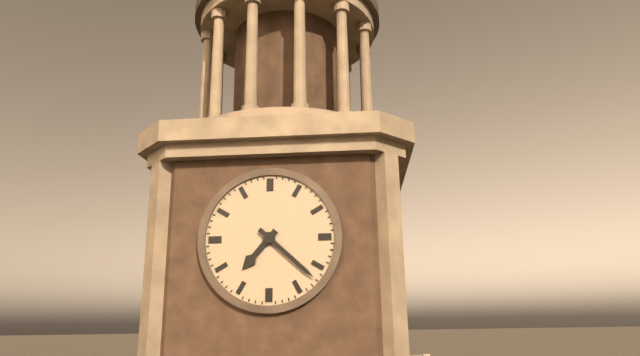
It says 7h22
